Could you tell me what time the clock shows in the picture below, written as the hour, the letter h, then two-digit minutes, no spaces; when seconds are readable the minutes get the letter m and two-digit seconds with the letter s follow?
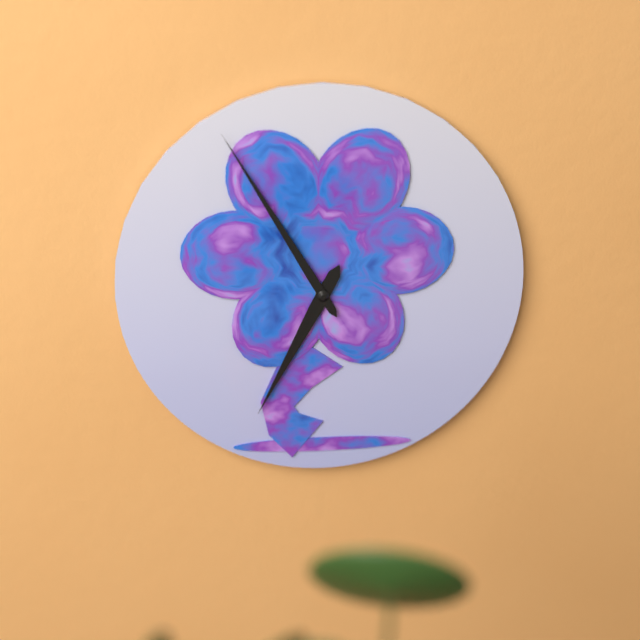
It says 6h55
